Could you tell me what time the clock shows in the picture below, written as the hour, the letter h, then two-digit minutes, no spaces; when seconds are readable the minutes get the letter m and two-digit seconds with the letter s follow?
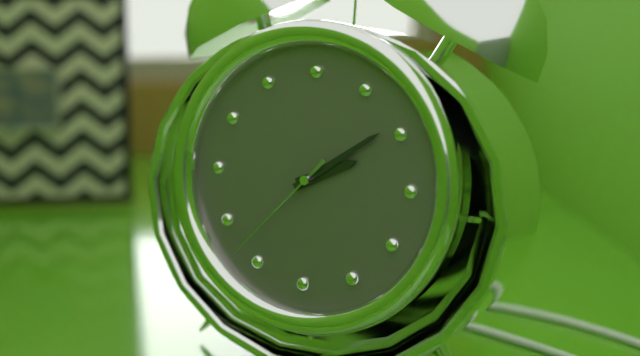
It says 2h09m37s
